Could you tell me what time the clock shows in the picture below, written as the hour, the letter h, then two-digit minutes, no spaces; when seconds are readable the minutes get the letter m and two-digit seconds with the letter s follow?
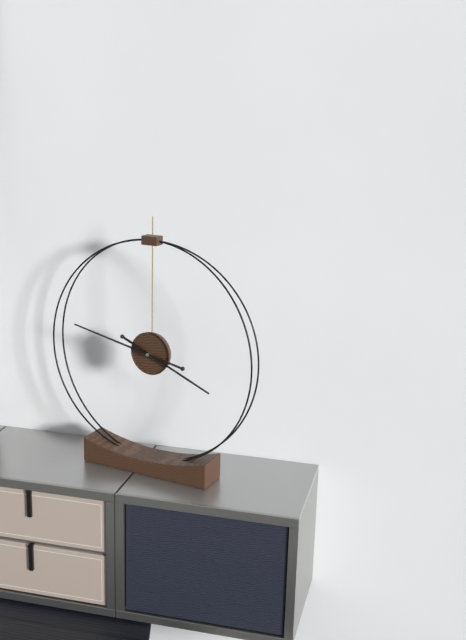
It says 3h47
